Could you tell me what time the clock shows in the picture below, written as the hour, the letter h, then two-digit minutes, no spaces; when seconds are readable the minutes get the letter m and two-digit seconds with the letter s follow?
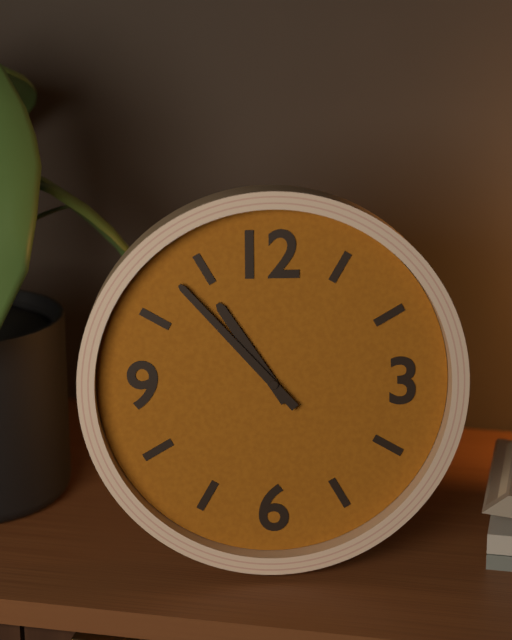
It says 10h53
